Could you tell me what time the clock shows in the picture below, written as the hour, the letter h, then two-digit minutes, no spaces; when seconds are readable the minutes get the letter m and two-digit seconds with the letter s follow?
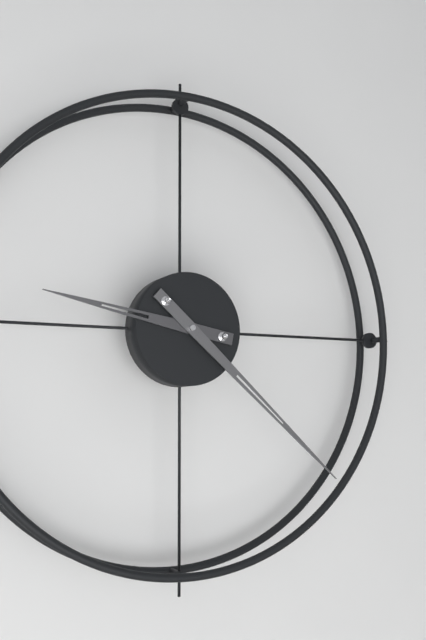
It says 9h22
